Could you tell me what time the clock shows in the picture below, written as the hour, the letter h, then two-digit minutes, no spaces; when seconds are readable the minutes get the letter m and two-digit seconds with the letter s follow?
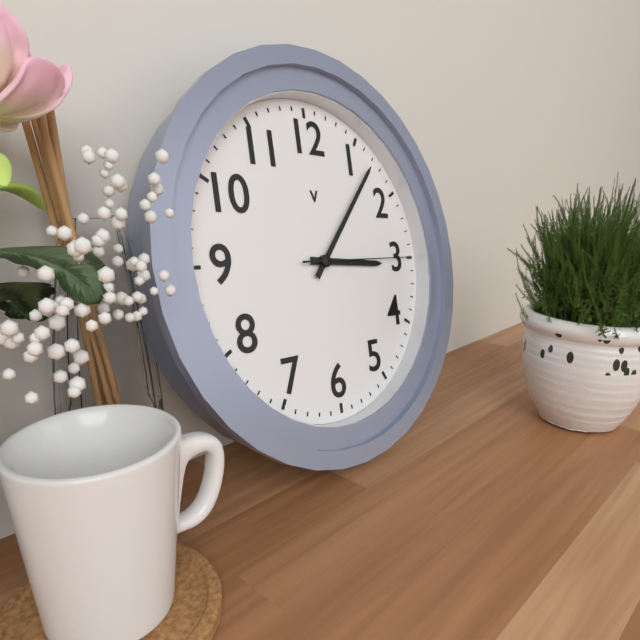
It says 3h07m15s
